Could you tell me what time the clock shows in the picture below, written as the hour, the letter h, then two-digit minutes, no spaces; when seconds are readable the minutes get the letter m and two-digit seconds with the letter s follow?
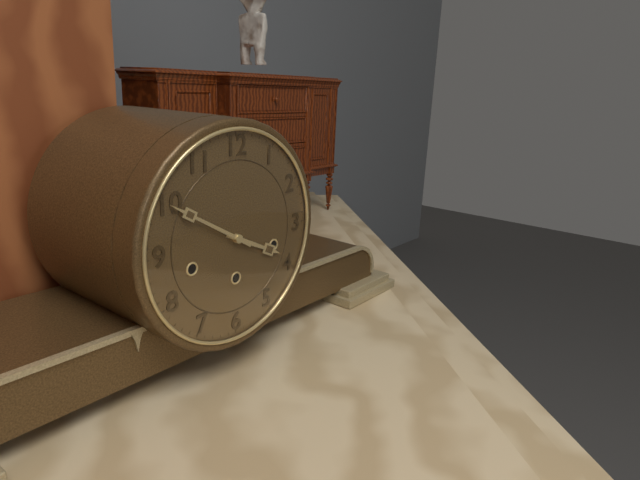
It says 3h50
